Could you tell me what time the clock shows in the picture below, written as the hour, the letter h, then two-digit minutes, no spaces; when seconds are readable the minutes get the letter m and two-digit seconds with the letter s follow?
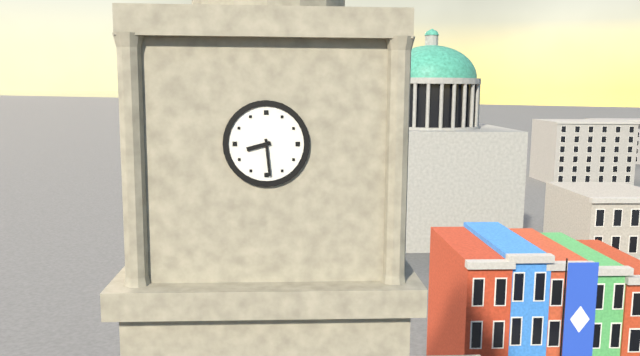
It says 8h29
